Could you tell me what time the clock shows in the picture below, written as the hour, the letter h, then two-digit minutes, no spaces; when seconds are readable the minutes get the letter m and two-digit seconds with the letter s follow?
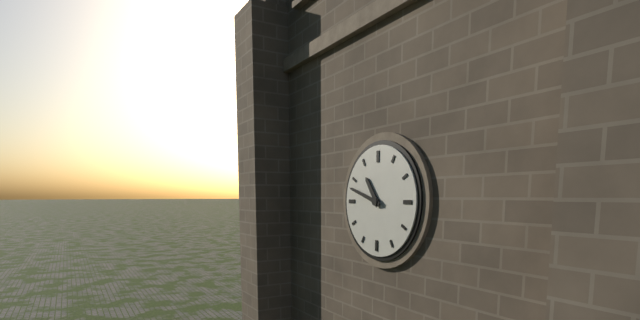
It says 10h48
